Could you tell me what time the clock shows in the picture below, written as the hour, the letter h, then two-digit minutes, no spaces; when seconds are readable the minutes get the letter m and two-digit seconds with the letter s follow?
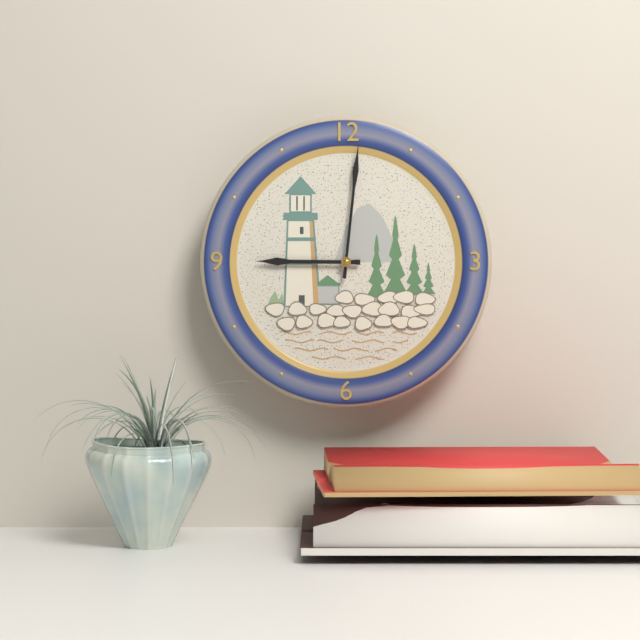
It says 9h01
